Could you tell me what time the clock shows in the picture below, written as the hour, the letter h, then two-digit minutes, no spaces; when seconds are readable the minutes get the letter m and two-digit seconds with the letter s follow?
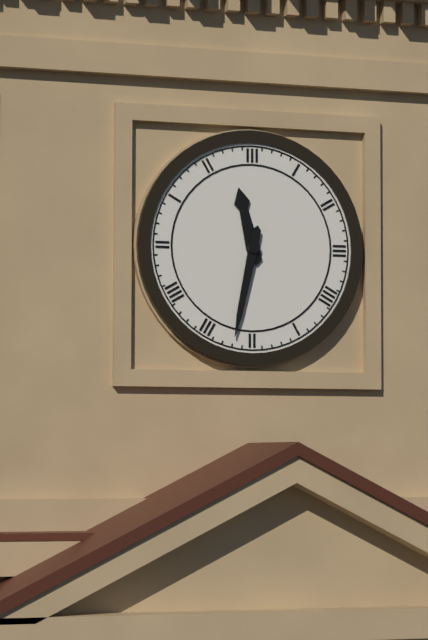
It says 11h32
